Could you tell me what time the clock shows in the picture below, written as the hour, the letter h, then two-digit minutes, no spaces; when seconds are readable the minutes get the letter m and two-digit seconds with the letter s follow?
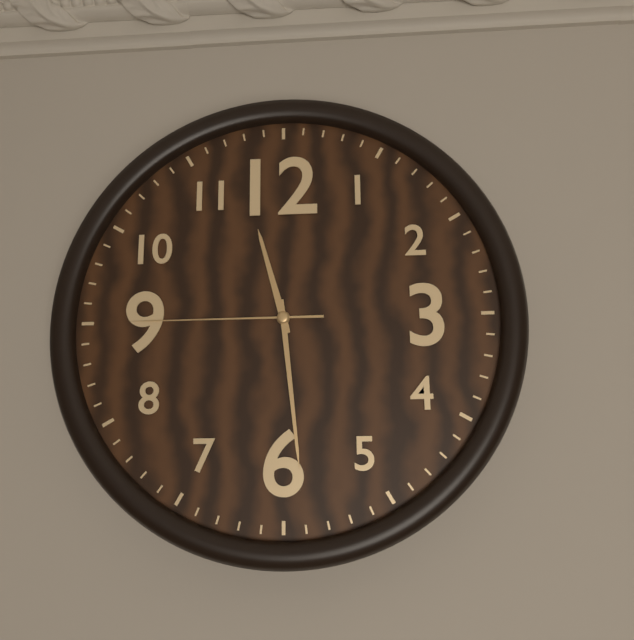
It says 11h29m45s
